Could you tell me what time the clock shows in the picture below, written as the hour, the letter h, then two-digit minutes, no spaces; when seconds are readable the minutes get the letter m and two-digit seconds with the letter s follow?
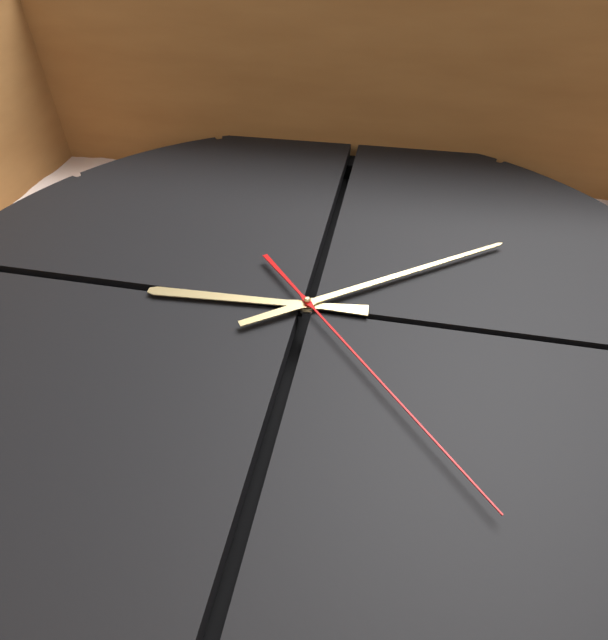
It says 5h54m08s
